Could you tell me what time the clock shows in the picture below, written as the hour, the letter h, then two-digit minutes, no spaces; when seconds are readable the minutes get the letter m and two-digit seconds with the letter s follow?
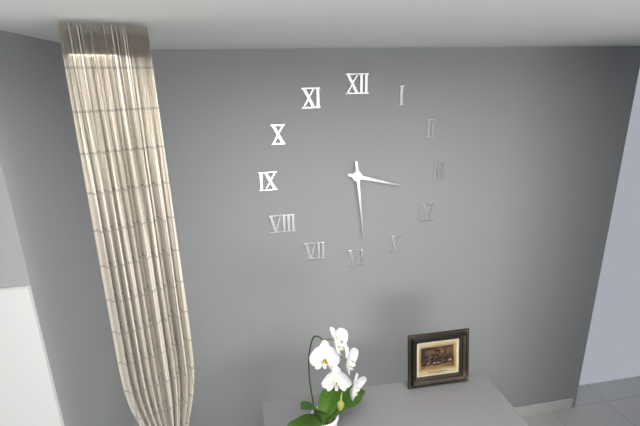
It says 3h29
